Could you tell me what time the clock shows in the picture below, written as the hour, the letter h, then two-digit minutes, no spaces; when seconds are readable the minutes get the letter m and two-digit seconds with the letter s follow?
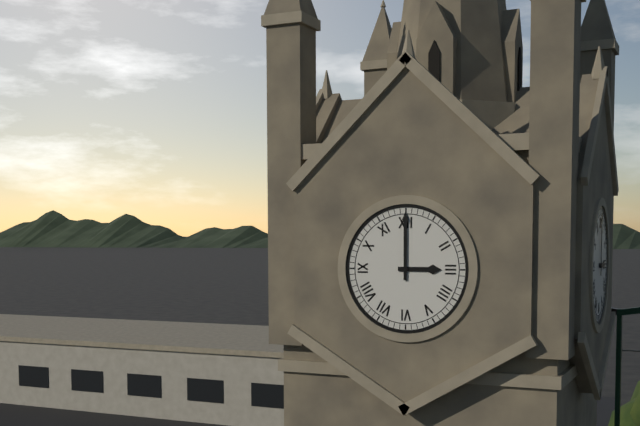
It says 3h00
